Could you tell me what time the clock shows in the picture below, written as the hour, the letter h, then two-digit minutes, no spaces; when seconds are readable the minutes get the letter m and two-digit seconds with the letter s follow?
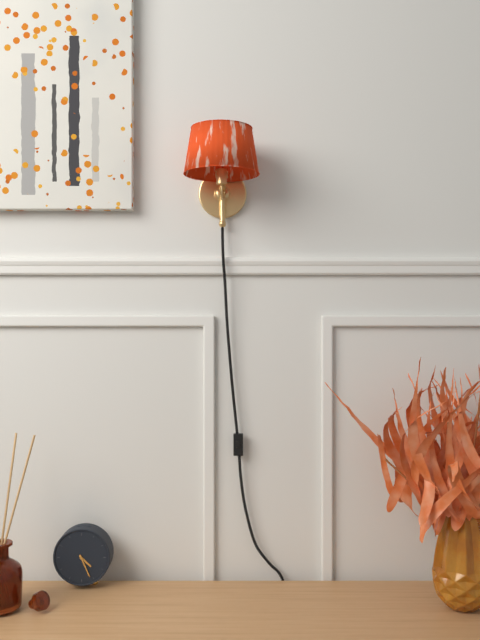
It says 4h26
